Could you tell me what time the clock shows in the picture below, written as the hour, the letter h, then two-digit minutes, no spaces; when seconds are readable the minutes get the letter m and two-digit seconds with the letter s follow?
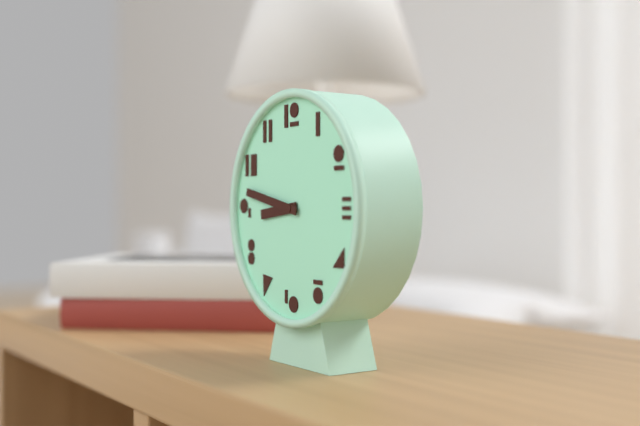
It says 8h47
